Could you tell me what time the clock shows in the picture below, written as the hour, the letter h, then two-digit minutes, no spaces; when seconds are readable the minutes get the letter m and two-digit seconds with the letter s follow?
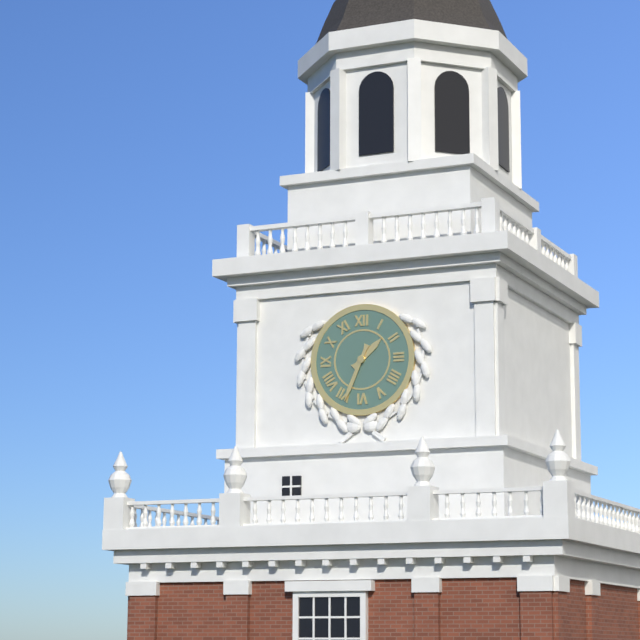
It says 1h34
